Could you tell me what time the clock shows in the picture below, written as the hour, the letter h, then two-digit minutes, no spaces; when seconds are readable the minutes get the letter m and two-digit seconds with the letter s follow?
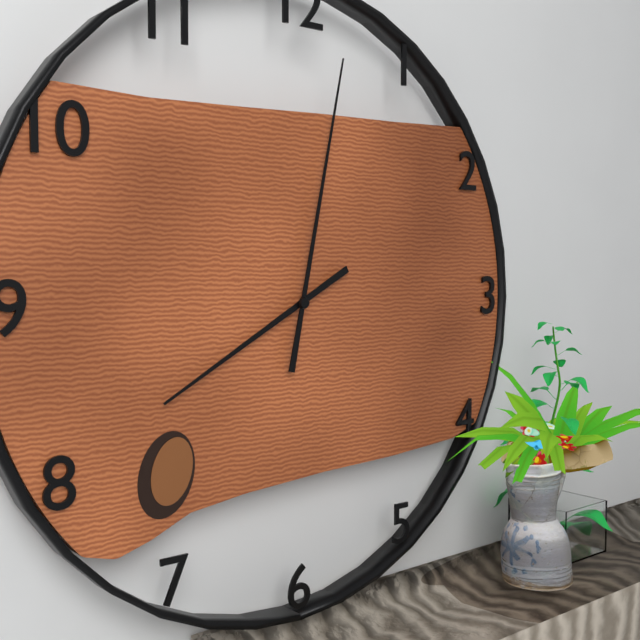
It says 8h02
